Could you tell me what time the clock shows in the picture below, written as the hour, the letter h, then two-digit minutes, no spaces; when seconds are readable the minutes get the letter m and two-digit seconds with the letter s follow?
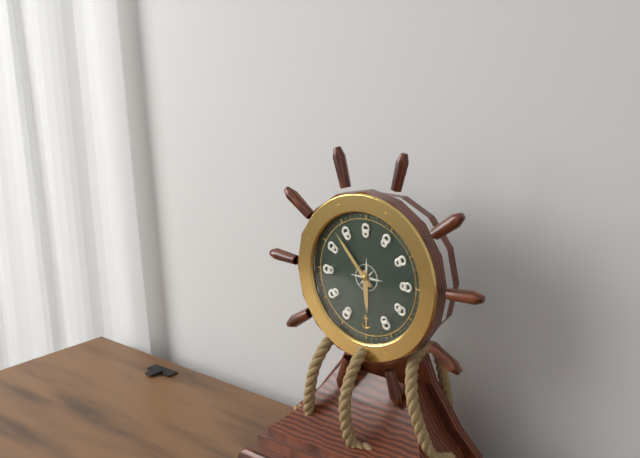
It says 5h53
